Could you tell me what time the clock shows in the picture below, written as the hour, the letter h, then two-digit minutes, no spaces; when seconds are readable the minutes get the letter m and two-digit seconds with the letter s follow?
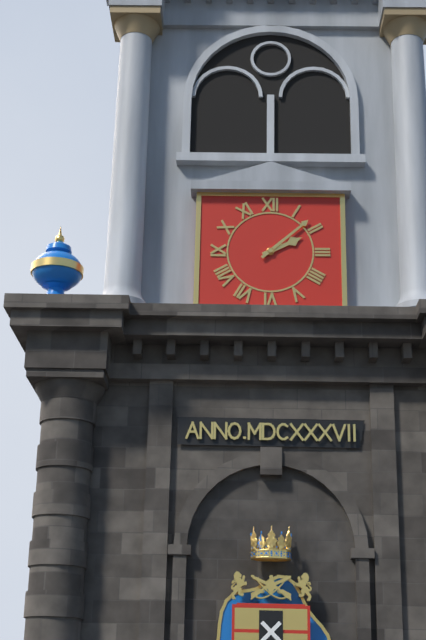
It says 2h08
